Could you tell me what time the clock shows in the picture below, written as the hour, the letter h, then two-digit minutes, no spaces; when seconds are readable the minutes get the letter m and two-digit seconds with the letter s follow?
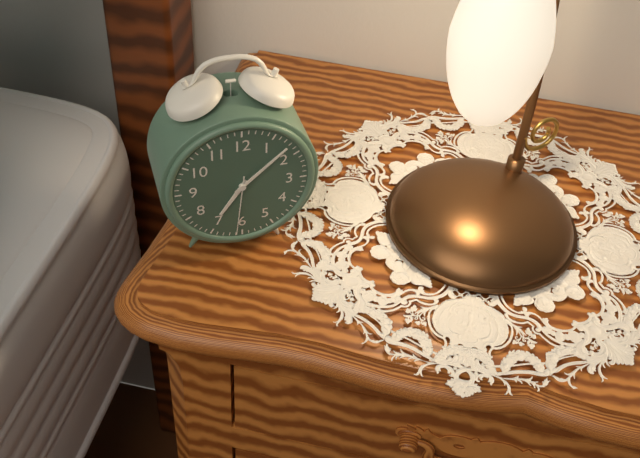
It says 7h08m31s
